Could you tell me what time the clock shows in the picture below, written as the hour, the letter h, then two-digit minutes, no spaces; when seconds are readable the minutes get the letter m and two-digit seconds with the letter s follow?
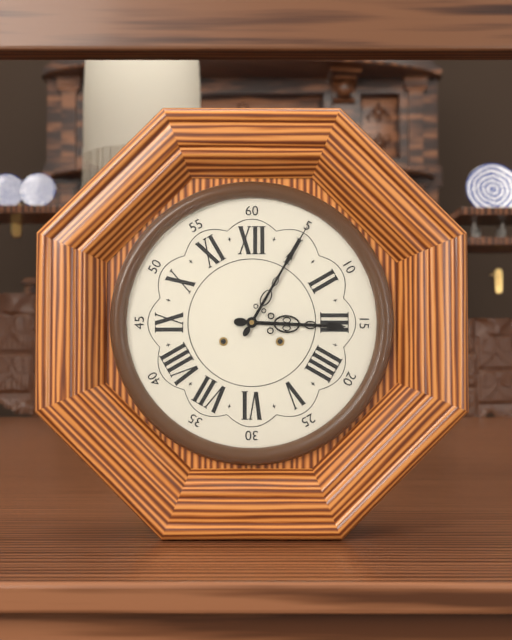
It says 3h05
